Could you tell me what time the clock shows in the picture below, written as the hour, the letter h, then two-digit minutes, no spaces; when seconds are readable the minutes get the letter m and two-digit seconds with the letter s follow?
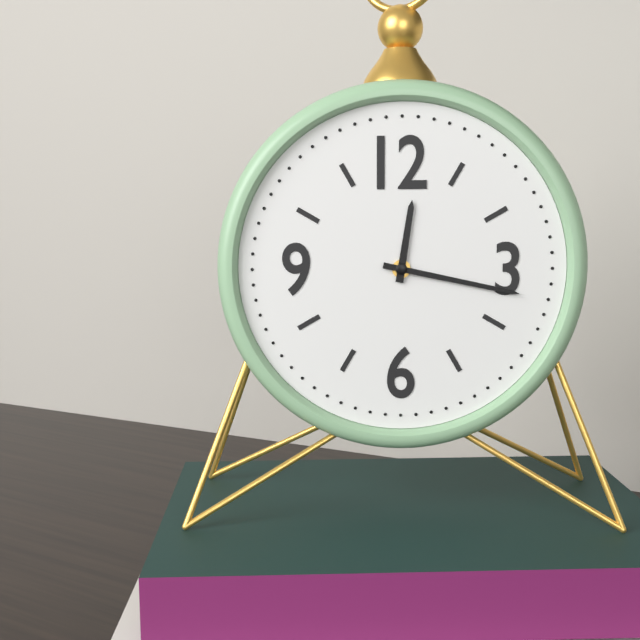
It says 12h17
